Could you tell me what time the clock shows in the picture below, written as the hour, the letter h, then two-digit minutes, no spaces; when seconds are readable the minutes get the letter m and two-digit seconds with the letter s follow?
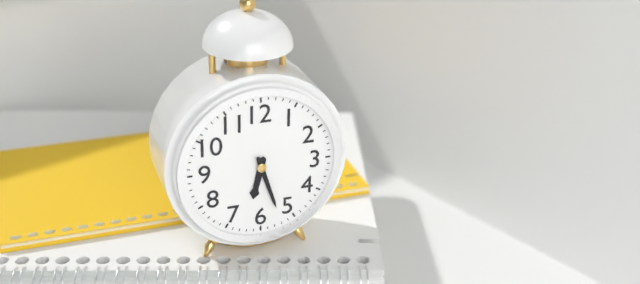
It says 6h27
